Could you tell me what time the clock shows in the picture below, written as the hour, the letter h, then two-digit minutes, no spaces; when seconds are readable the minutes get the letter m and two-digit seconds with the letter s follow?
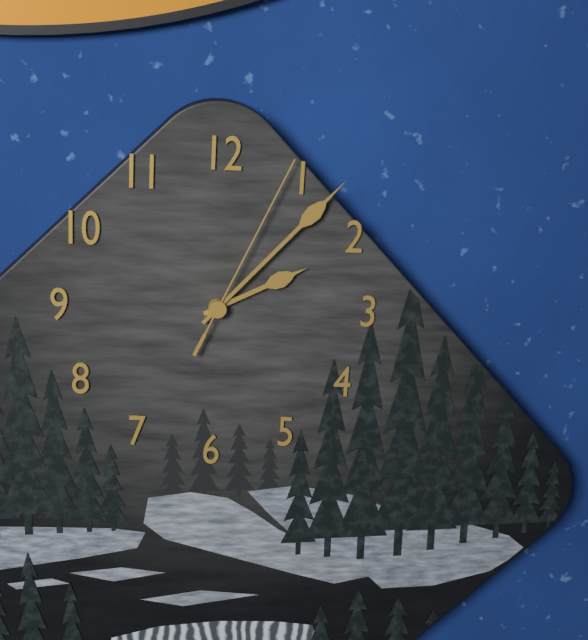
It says 2h07m04s
